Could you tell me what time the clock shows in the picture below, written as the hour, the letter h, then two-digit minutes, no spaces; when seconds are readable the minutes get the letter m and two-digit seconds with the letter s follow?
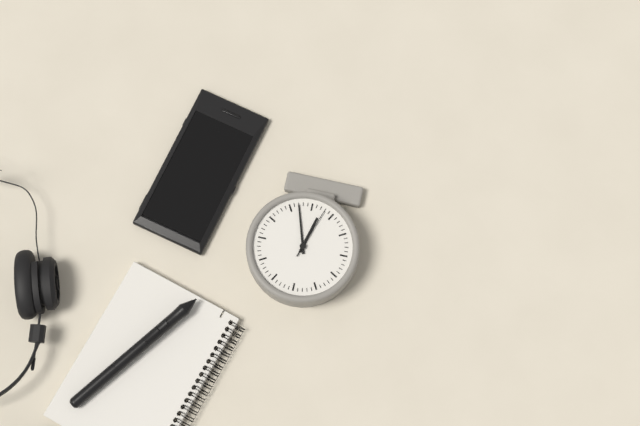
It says 6h27m33s
